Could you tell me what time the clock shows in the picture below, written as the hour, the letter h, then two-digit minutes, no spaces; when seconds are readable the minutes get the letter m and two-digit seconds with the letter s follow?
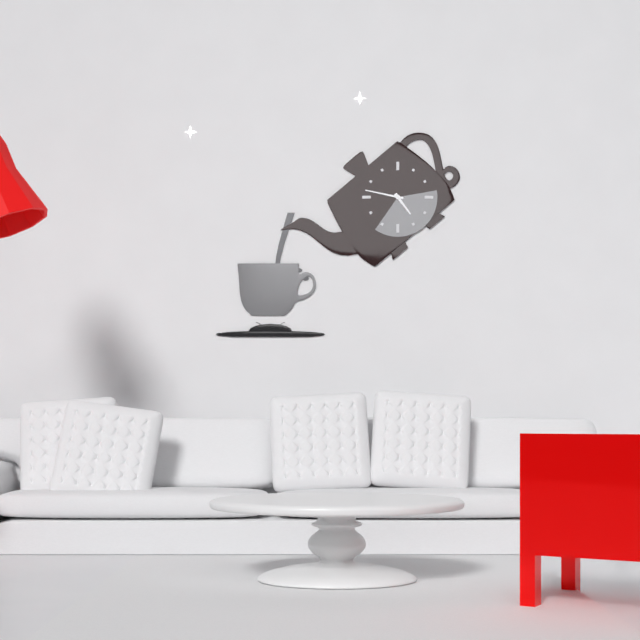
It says 4h47
